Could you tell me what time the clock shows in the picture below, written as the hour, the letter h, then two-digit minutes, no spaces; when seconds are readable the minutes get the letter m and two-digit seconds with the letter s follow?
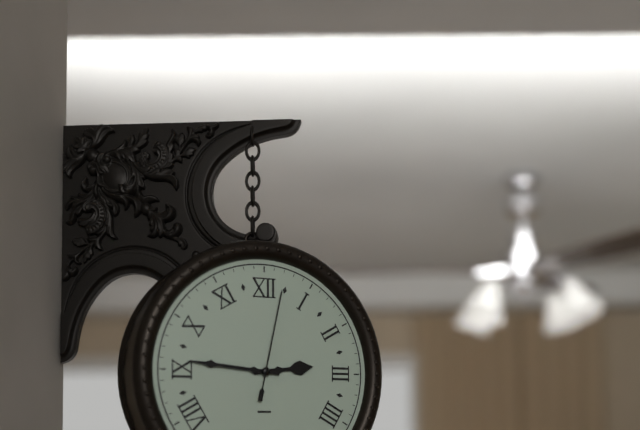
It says 2h46m02s
